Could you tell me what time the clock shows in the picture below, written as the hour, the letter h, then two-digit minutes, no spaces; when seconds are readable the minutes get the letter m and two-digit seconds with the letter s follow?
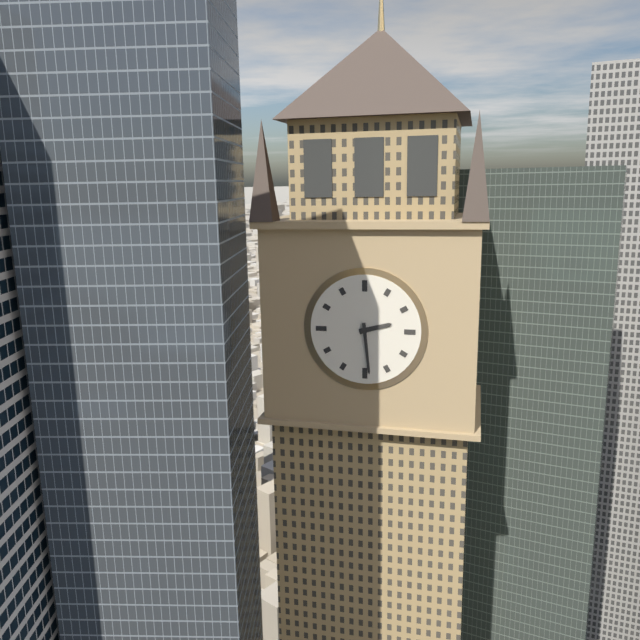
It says 2h29
